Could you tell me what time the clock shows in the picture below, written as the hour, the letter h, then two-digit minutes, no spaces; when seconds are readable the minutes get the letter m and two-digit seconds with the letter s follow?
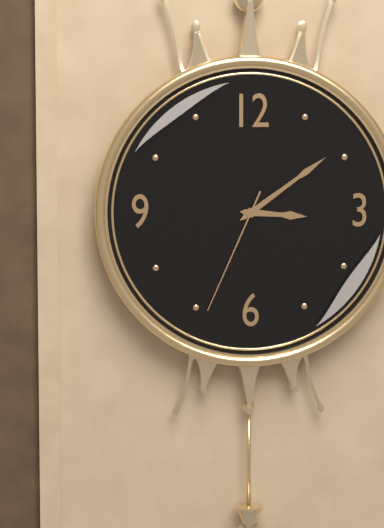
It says 3h09m34s
